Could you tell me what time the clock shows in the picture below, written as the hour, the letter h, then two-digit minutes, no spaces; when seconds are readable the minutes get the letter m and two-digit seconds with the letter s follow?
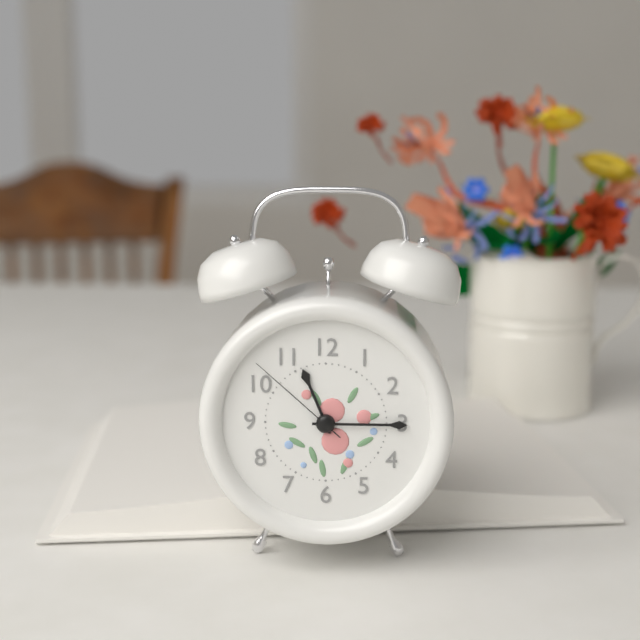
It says 11h15m52s
